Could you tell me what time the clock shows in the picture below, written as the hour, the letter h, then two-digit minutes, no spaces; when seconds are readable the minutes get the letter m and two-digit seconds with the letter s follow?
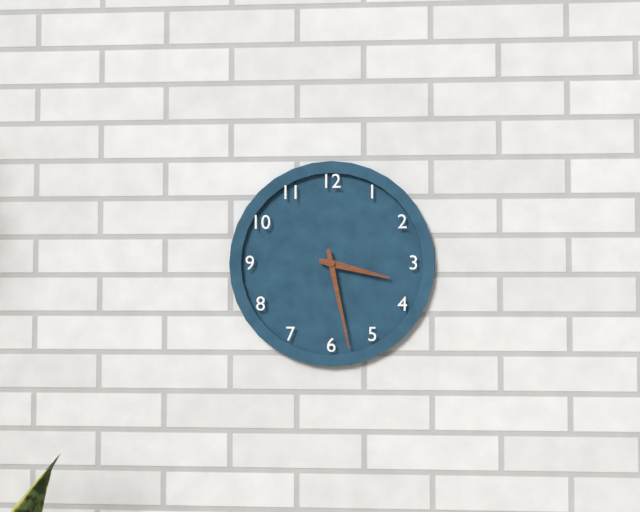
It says 3h28
